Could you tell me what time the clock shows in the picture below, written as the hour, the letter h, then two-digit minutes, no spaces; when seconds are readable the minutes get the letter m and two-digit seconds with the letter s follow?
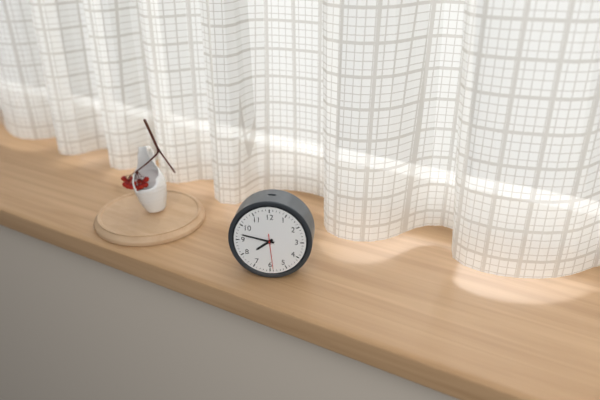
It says 7h47
